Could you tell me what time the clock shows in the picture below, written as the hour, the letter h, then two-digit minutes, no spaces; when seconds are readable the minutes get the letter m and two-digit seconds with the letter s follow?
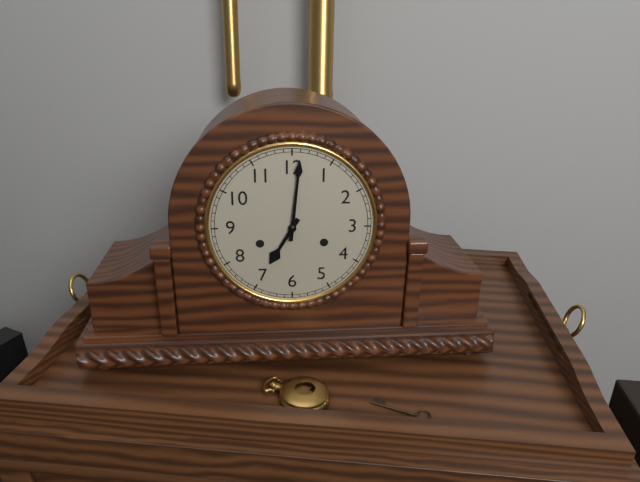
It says 7h01
